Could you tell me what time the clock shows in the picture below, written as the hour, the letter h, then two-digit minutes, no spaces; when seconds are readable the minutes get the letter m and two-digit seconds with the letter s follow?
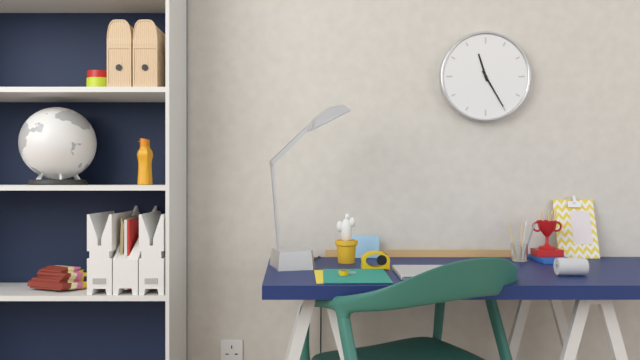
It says 11h25
